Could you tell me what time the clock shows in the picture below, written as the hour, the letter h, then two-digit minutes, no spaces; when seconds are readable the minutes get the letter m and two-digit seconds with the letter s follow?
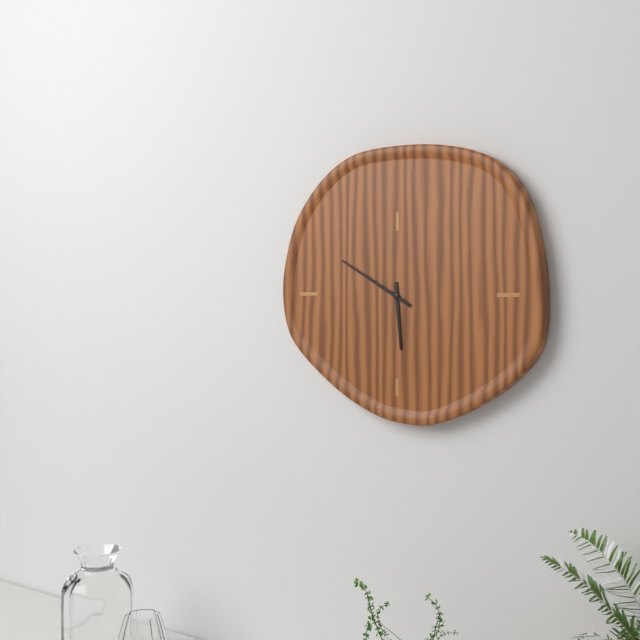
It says 5h50
